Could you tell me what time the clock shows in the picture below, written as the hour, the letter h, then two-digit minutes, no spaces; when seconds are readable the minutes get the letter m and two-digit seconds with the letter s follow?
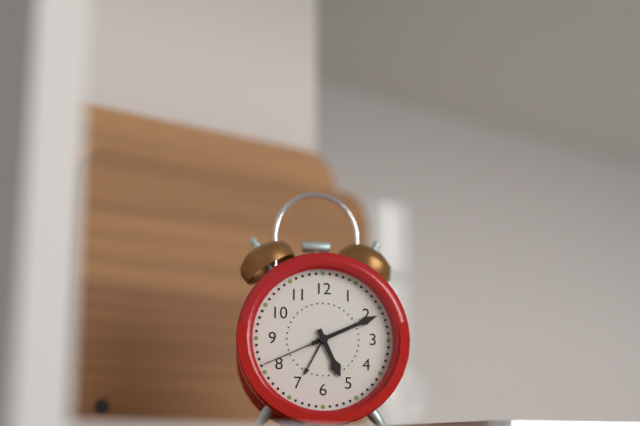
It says 5h11m41s
